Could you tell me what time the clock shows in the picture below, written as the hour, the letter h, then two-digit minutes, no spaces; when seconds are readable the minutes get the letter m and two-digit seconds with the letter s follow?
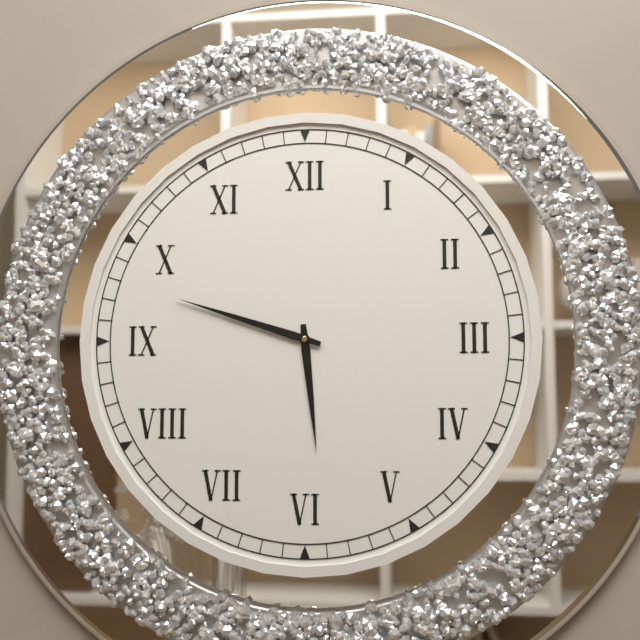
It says 5h48
